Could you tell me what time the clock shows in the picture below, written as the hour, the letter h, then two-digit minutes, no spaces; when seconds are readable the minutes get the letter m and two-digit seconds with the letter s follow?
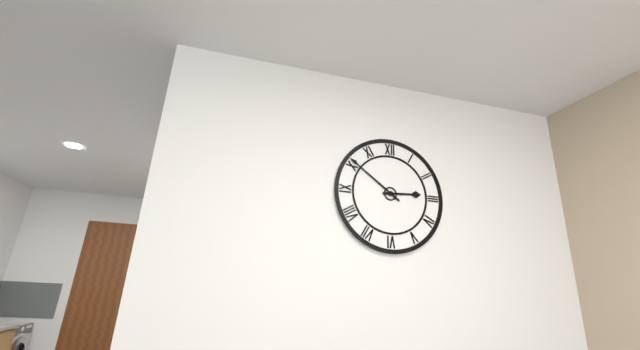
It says 2h51
